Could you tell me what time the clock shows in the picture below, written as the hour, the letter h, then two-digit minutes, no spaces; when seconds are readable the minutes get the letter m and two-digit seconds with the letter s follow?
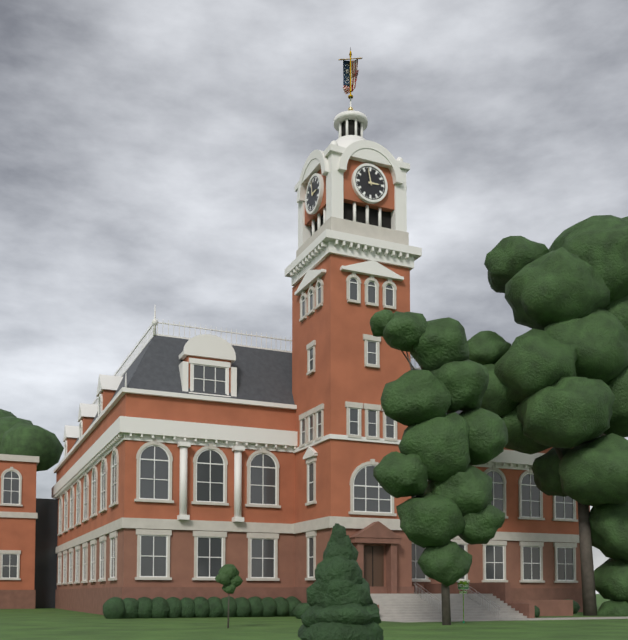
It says 2h58
